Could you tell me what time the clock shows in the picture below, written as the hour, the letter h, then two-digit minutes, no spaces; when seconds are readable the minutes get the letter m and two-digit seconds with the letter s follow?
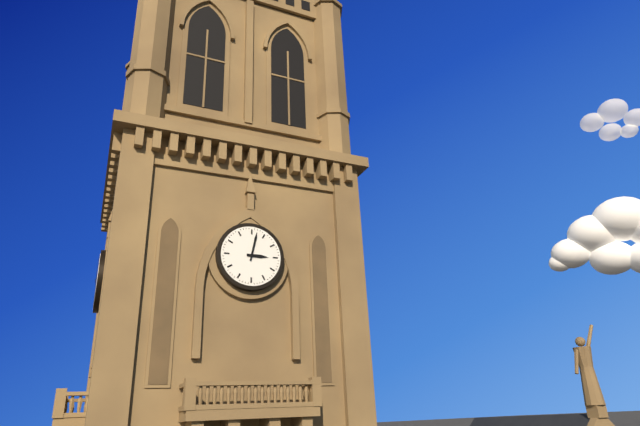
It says 3h02
